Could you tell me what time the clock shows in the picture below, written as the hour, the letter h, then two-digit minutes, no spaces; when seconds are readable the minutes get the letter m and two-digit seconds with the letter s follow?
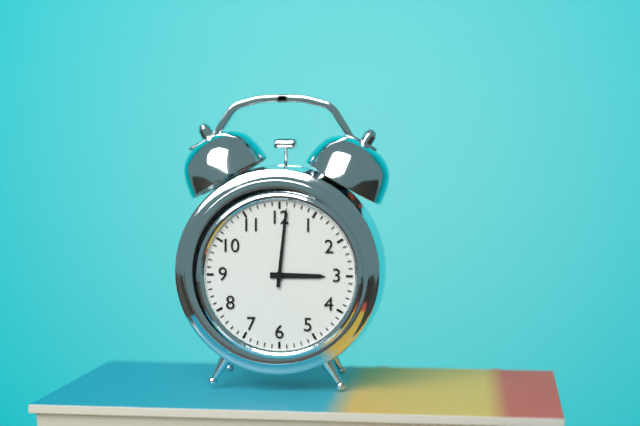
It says 3h01
